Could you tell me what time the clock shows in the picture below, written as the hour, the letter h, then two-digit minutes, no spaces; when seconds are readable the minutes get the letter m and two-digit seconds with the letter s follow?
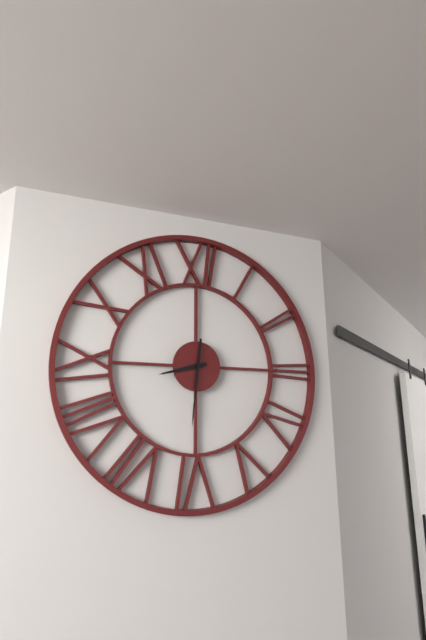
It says 8h31
